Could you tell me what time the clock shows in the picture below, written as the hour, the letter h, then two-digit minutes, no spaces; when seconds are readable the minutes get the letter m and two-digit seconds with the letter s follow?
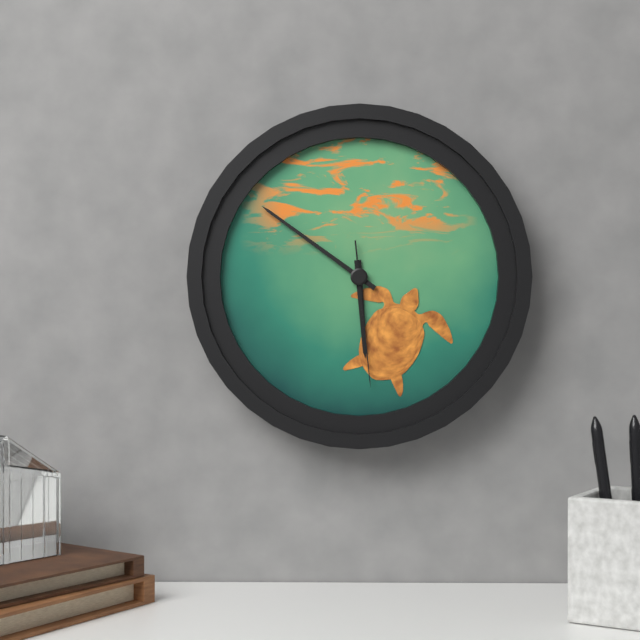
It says 5h51m29s
